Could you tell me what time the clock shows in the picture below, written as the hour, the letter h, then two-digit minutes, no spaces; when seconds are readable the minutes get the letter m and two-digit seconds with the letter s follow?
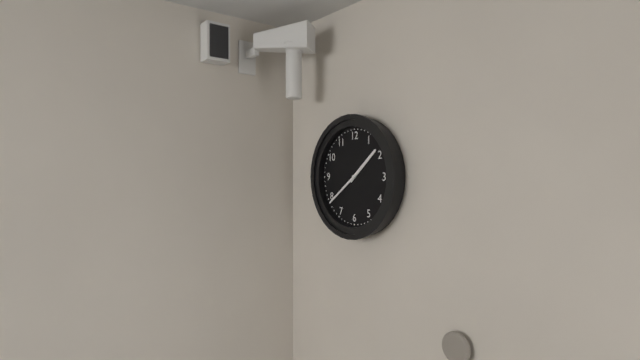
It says 1h39
